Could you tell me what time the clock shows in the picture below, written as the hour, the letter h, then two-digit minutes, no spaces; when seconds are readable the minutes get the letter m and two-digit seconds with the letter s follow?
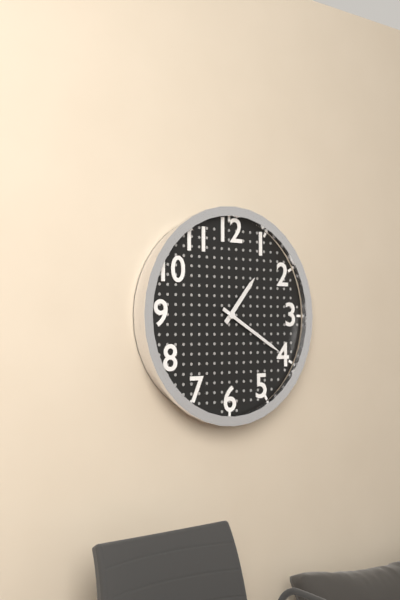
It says 1h20
